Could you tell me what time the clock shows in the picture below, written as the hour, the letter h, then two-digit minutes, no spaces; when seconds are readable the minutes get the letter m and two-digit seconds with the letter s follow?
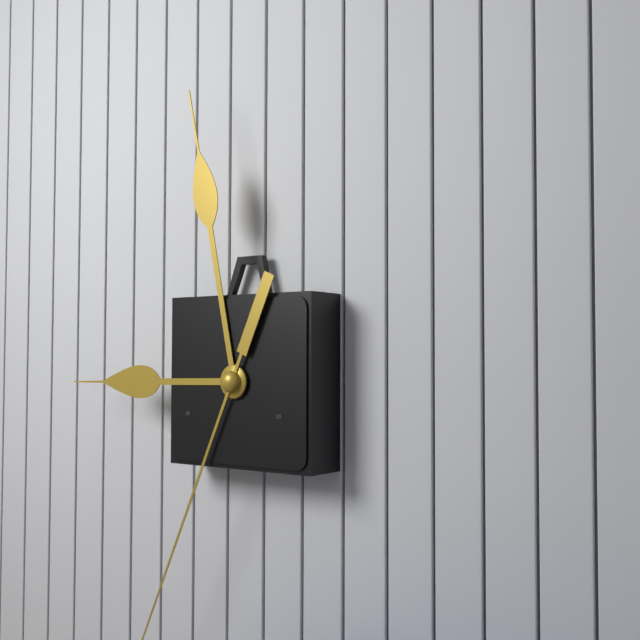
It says 8h58
